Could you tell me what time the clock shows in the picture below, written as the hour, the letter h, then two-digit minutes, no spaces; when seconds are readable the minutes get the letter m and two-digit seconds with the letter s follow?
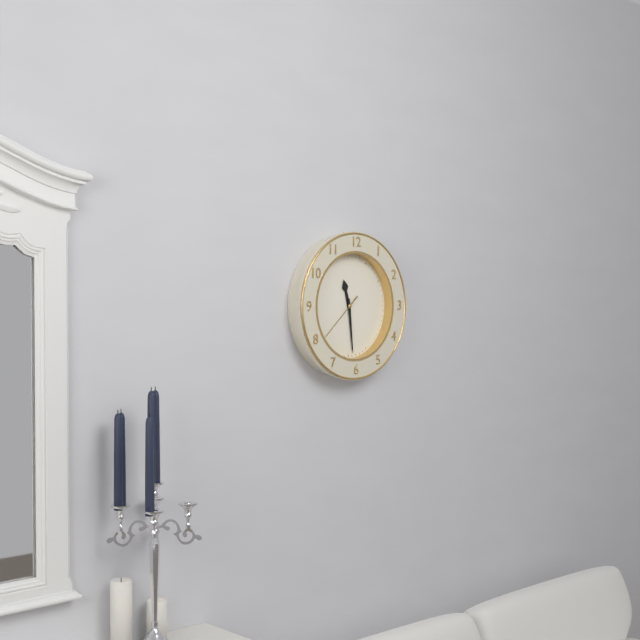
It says 11h29m38s
